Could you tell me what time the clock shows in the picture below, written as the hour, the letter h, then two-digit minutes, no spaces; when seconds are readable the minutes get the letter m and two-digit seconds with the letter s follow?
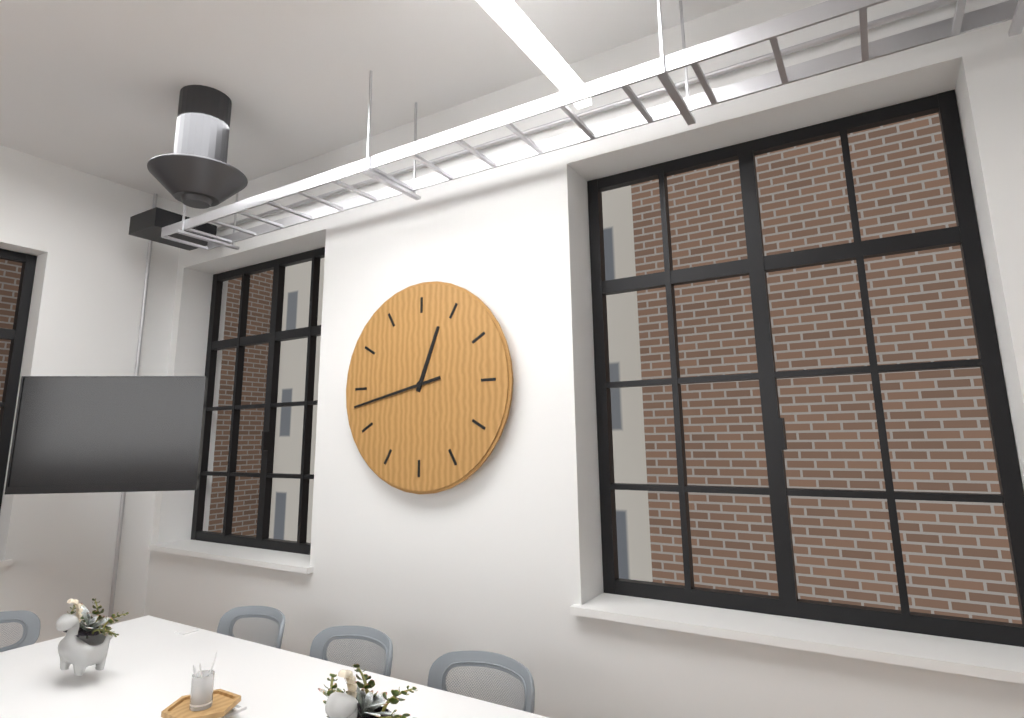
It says 12h43
